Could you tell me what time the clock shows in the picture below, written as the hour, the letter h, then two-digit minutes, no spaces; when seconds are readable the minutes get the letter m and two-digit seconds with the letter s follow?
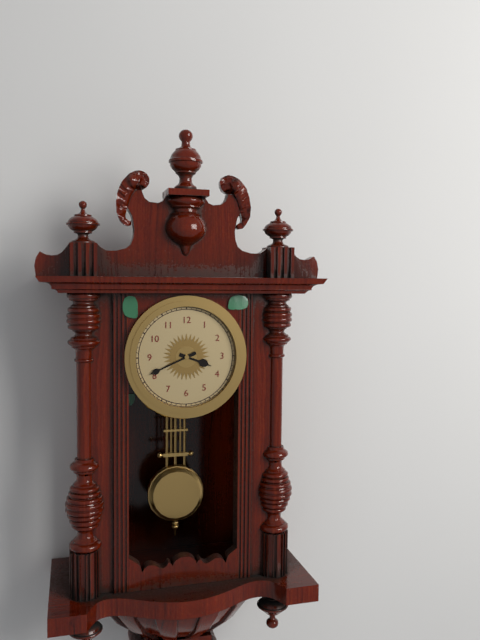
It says 3h41
